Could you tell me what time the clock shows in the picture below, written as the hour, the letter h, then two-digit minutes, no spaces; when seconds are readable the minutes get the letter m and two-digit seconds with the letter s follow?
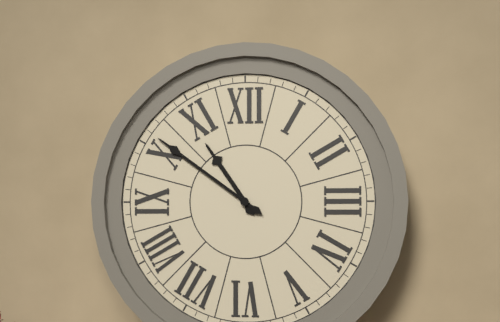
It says 10h51
